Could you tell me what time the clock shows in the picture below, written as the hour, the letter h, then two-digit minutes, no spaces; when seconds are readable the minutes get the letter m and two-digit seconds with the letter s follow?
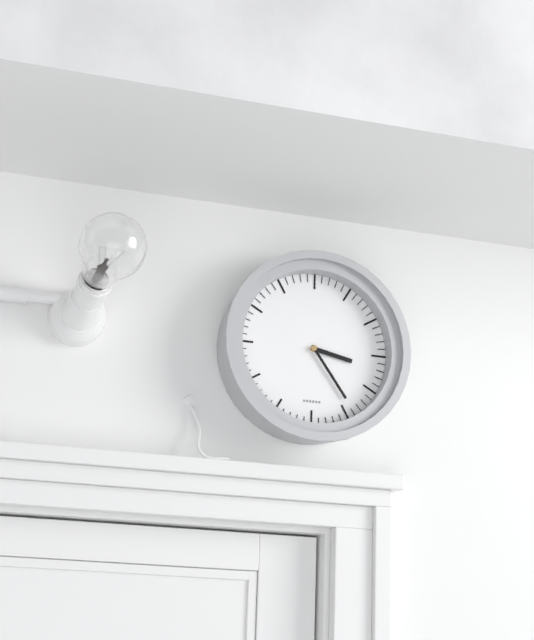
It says 3h24
